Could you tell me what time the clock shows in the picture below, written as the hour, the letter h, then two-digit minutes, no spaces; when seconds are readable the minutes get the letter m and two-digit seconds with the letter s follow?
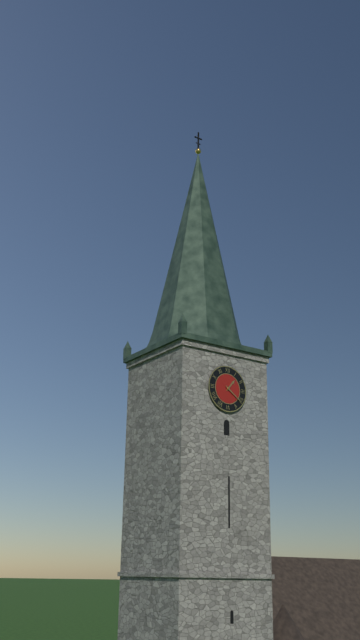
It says 1h21
